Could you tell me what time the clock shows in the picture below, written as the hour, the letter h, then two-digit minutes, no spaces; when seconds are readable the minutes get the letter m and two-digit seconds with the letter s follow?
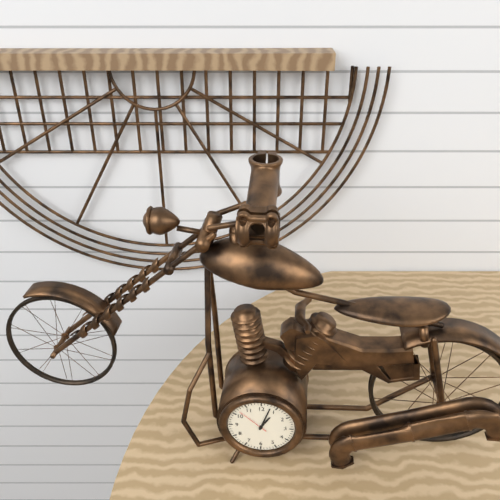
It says 1h03
